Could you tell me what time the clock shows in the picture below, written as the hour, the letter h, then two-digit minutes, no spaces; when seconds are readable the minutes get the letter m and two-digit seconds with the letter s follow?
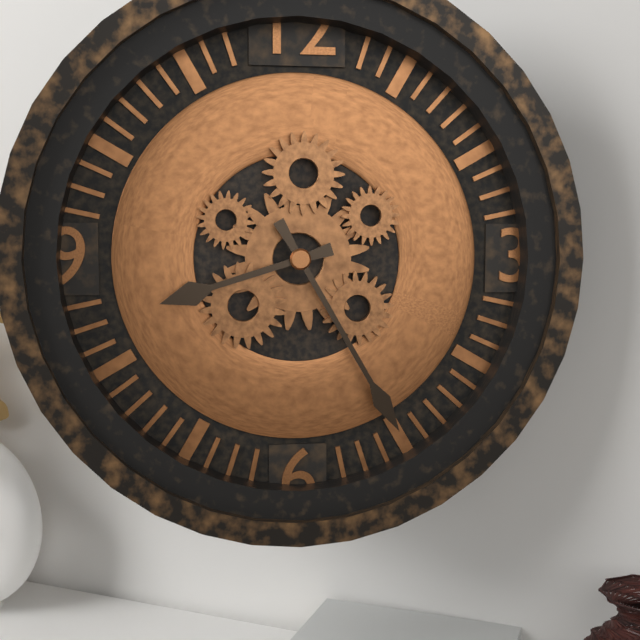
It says 8h25
